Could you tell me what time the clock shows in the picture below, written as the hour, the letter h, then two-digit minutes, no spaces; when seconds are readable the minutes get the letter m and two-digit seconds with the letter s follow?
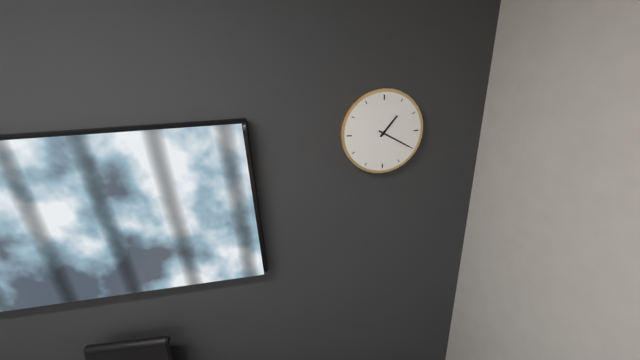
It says 1h20
